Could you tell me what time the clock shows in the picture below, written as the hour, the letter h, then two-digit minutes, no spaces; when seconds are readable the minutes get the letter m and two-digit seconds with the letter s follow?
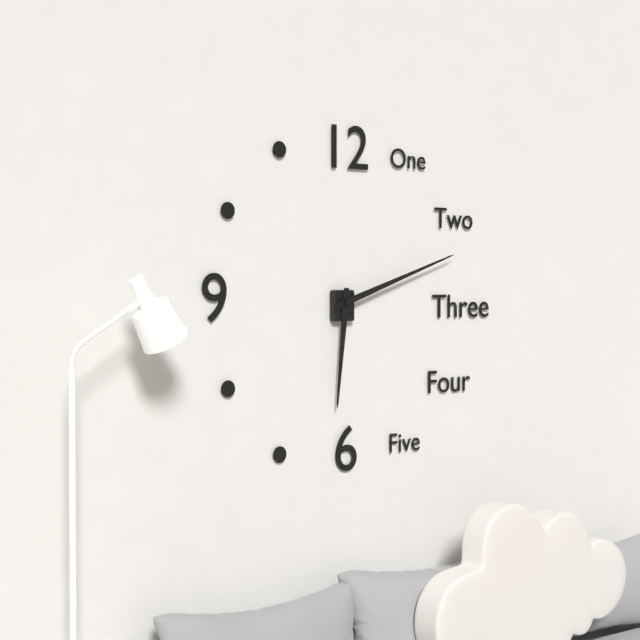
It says 6h12
